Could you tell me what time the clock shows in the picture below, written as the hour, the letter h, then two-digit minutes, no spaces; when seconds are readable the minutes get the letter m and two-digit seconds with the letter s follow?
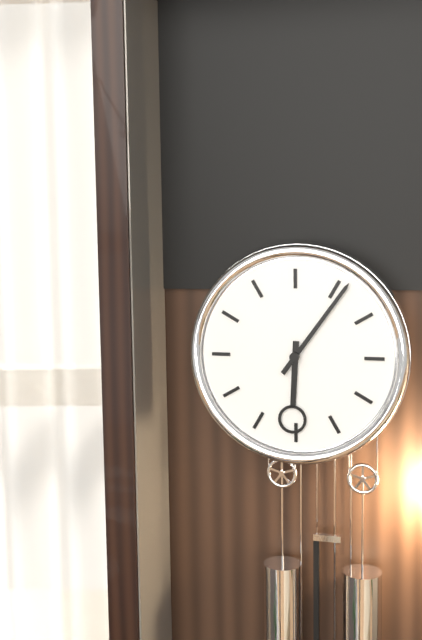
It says 6h06
